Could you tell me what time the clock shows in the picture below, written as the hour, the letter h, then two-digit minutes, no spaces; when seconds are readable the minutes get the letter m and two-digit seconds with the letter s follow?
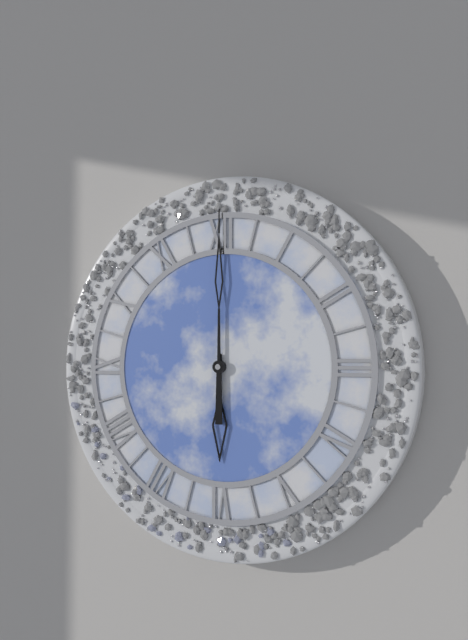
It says 6h00
